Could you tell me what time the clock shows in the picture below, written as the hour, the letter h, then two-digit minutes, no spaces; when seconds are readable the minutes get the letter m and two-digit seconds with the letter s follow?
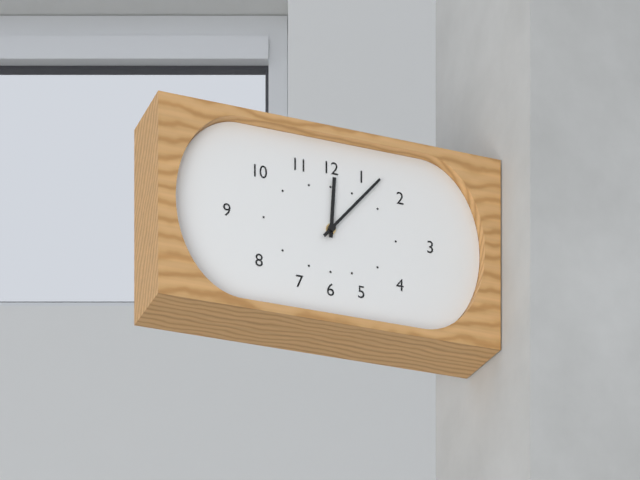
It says 12h07
